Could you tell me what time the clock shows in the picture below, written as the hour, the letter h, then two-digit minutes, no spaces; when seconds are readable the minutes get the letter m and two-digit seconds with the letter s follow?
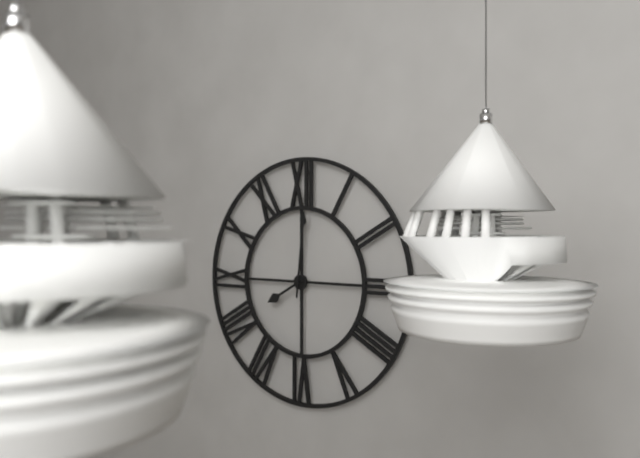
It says 8h01
